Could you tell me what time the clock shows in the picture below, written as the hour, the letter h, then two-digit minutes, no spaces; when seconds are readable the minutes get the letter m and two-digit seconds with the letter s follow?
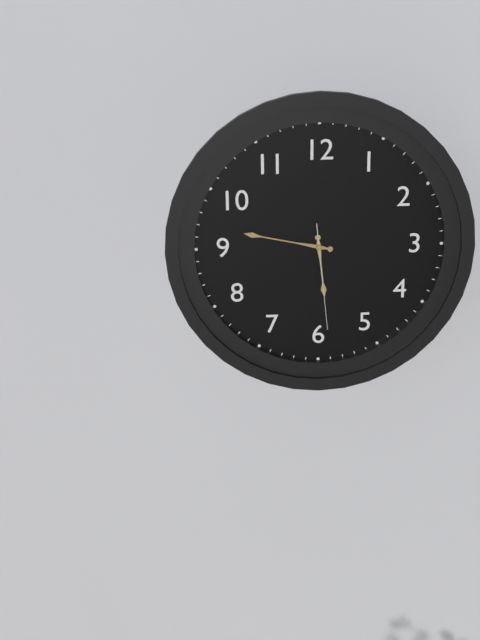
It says 5h47m29s
